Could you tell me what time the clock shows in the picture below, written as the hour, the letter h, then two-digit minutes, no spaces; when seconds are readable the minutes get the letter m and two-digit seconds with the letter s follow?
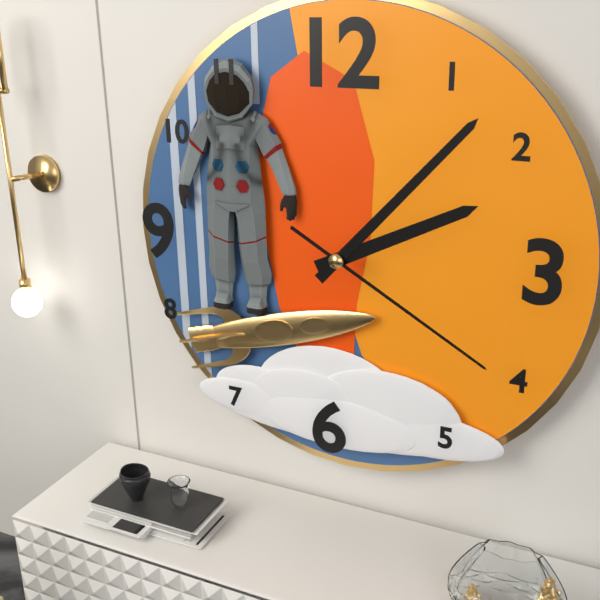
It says 2h07m20s
